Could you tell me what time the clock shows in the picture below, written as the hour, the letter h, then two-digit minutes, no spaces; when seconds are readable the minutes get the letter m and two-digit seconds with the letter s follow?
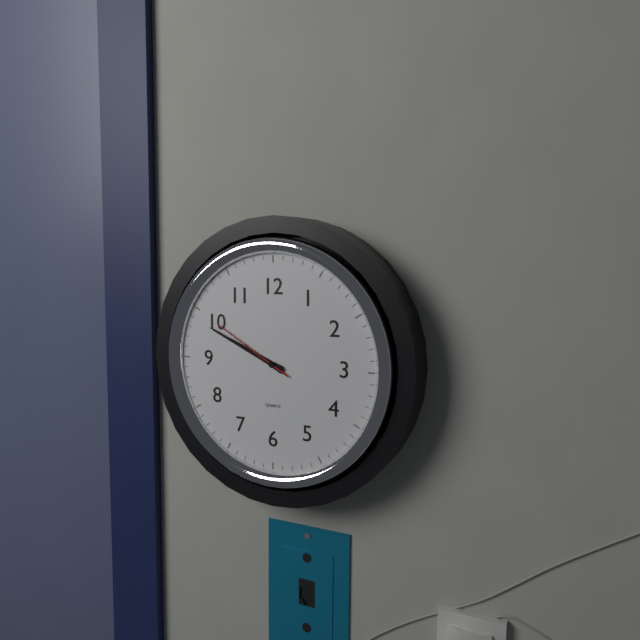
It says 9h49m50s
